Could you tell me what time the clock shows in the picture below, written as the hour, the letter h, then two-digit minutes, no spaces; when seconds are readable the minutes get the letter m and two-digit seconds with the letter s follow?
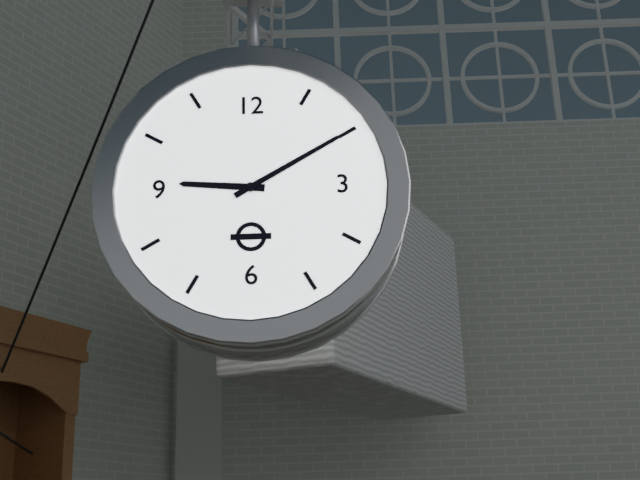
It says 9h10
